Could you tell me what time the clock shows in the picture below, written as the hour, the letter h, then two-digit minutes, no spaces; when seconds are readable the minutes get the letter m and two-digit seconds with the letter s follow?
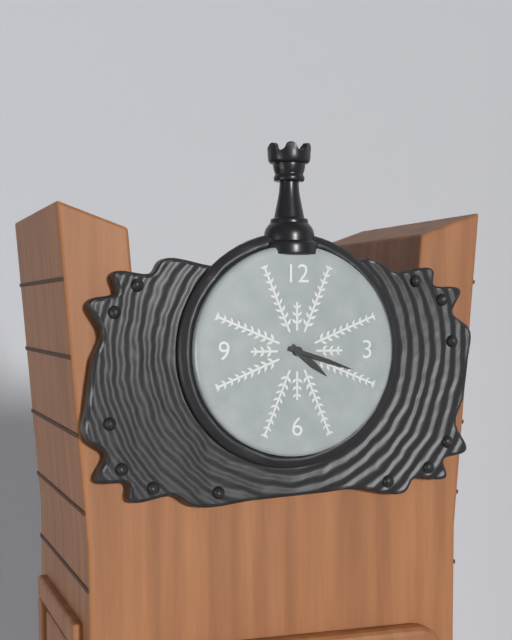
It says 4h18
